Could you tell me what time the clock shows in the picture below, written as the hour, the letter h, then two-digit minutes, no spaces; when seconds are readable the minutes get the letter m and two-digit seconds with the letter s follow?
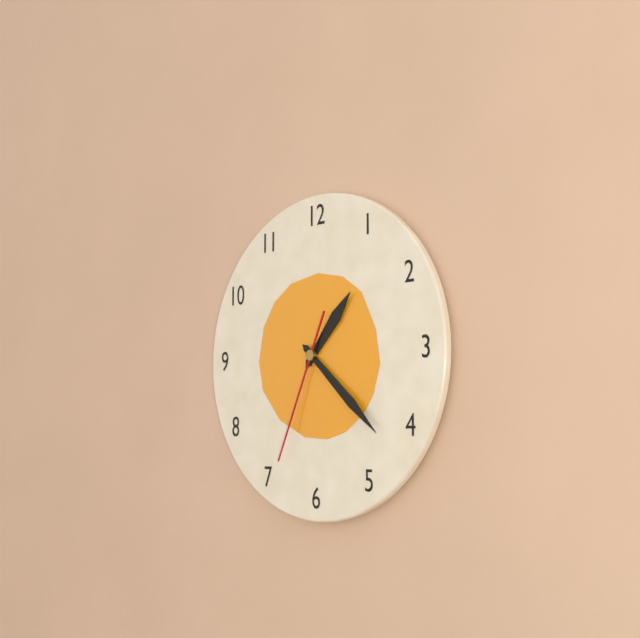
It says 1h22m34s
